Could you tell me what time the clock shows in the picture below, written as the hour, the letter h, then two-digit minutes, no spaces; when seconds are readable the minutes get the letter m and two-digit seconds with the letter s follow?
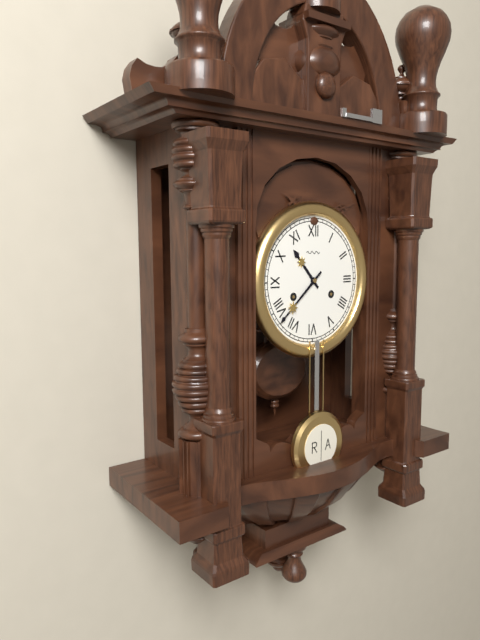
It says 10h38
